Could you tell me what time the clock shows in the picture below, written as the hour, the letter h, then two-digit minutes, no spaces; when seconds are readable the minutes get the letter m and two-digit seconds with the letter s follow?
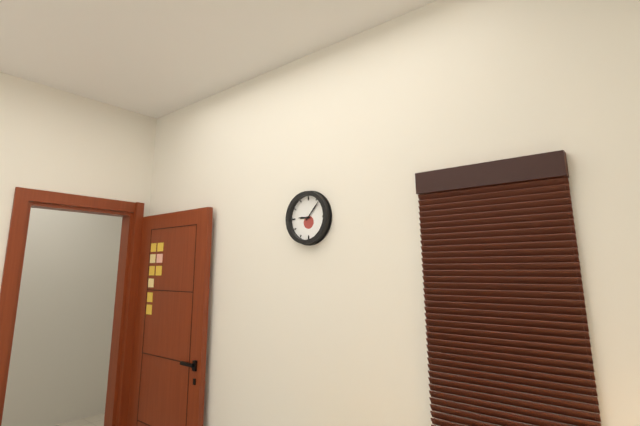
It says 9h07
